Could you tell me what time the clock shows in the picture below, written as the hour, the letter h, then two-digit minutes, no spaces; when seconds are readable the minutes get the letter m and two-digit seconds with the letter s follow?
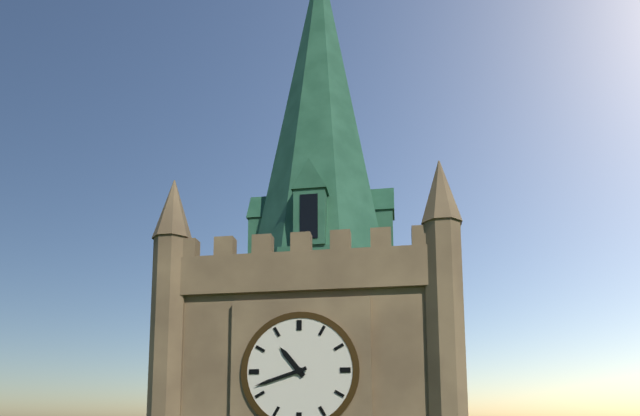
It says 10h42
